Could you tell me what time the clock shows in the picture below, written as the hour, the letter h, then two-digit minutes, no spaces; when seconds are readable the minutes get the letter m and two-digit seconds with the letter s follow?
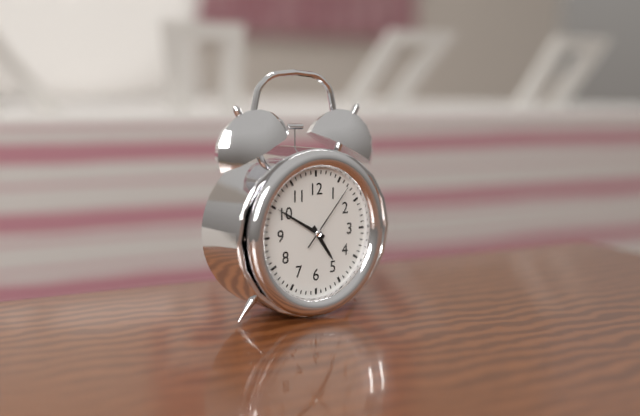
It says 4h50m07s
